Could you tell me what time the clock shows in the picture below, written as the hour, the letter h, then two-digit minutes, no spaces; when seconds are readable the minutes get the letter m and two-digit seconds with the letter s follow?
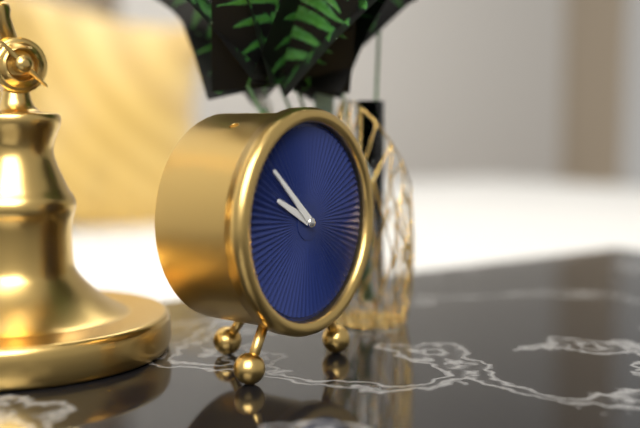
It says 9h52
